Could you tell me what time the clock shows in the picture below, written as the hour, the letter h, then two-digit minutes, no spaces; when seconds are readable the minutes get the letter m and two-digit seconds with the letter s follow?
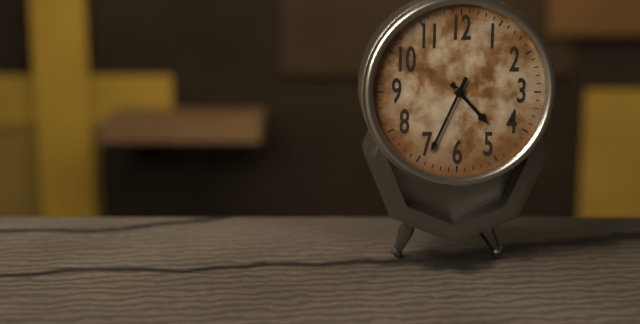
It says 4h34
